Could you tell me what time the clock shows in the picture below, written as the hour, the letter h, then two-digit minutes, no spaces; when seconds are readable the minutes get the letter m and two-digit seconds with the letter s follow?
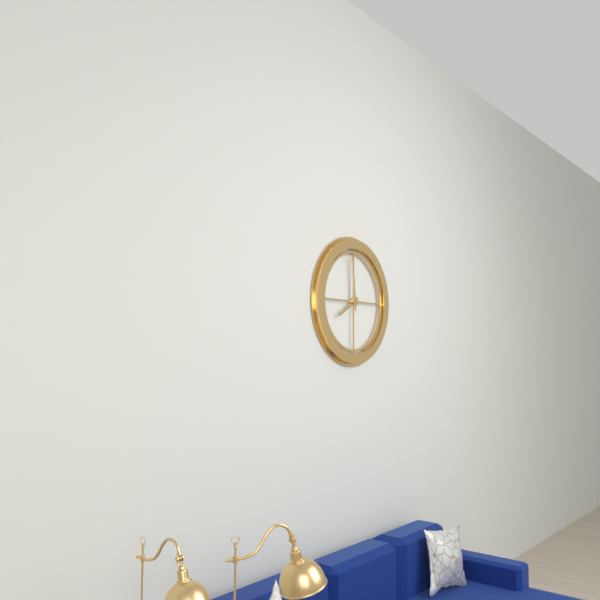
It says 7h59
